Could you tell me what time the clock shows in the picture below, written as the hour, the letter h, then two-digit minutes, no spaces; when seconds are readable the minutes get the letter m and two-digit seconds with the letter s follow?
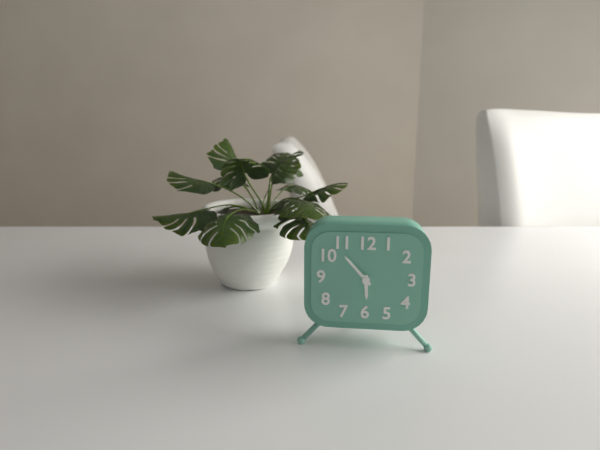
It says 5h53
